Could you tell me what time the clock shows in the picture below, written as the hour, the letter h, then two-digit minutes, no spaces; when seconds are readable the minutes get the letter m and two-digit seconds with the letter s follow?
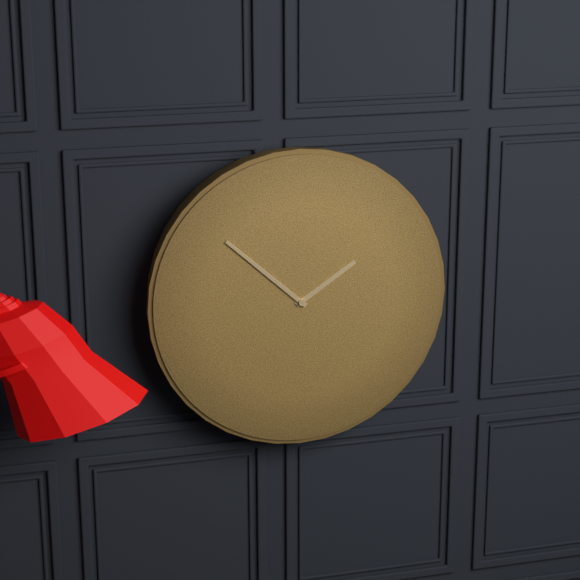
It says 1h52
